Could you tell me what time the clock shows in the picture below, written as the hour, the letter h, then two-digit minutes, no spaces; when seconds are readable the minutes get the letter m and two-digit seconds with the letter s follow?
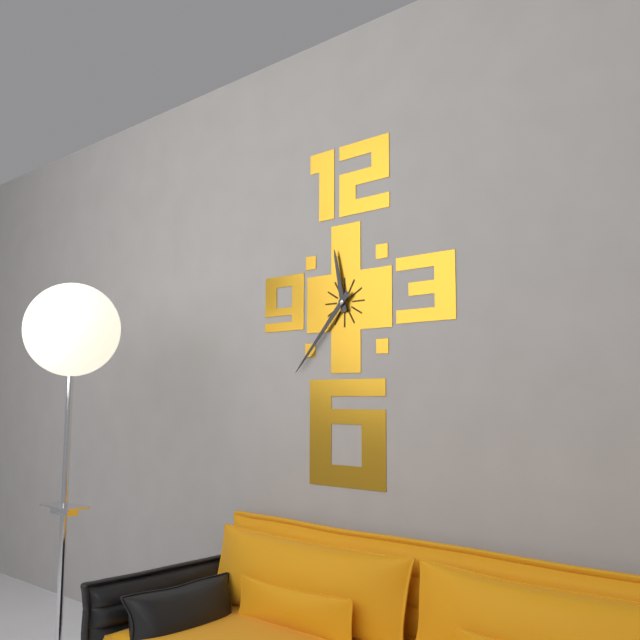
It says 11h37
